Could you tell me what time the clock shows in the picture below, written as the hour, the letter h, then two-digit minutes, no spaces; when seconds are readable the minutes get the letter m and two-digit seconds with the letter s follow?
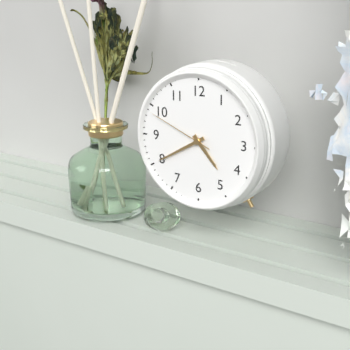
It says 4h40m49s
